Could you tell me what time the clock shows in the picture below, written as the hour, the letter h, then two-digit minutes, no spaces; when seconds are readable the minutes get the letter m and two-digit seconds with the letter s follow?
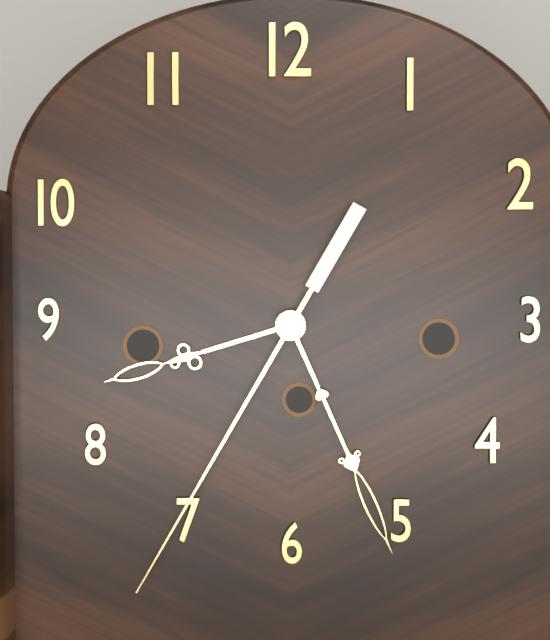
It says 8h26m35s
